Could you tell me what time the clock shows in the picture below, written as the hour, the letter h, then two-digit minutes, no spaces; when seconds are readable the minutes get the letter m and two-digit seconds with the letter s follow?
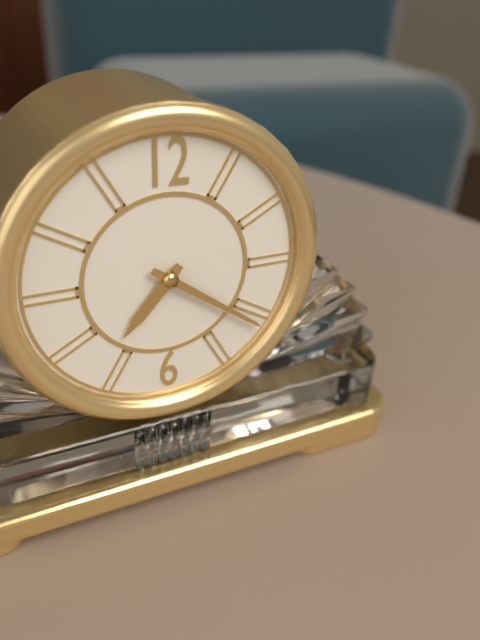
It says 7h21
